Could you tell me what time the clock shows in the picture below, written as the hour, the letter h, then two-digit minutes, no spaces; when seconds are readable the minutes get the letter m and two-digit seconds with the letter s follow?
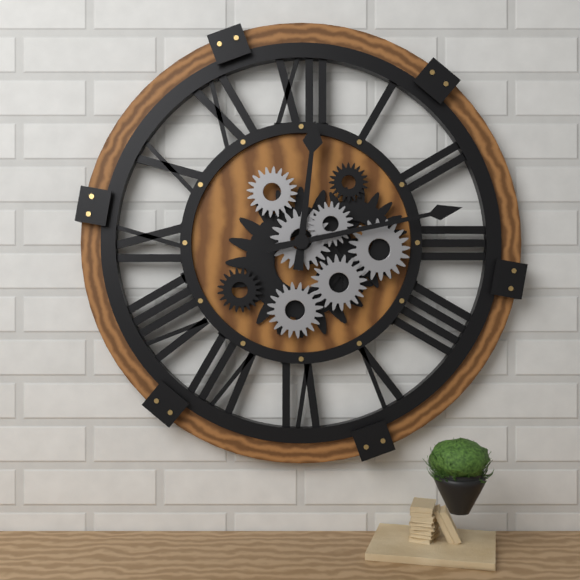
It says 12h13
